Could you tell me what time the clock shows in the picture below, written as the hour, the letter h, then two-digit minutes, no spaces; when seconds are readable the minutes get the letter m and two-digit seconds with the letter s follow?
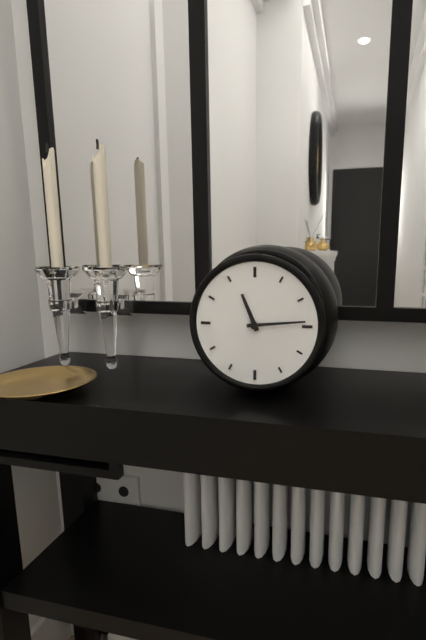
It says 11h14
